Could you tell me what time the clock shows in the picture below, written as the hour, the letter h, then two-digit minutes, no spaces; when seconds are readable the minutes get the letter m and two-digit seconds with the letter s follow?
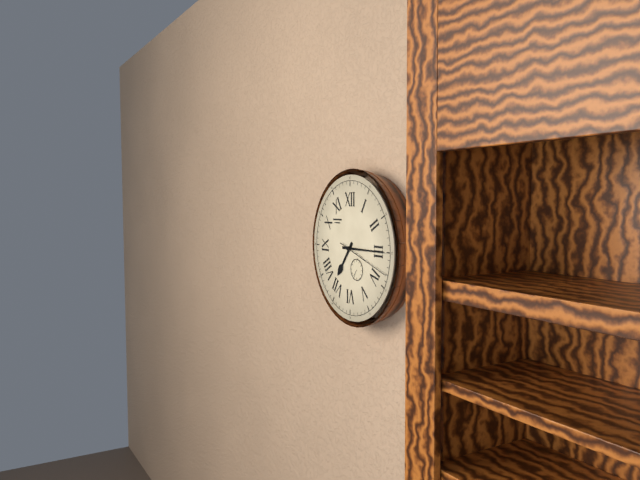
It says 7h15m18s
